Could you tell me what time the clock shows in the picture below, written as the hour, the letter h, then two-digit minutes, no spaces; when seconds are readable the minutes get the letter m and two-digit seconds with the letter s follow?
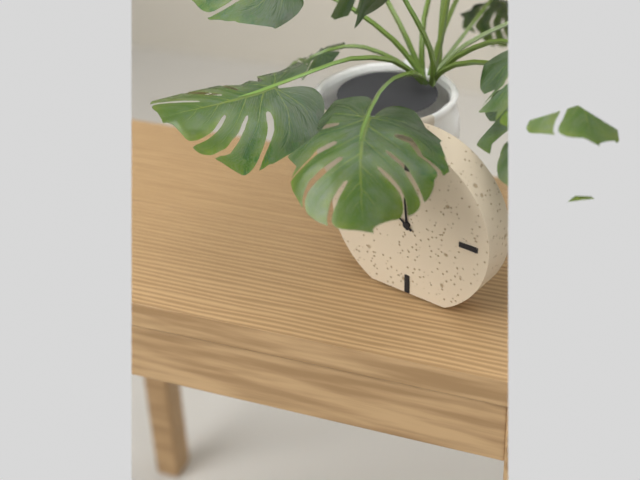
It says 11h51
